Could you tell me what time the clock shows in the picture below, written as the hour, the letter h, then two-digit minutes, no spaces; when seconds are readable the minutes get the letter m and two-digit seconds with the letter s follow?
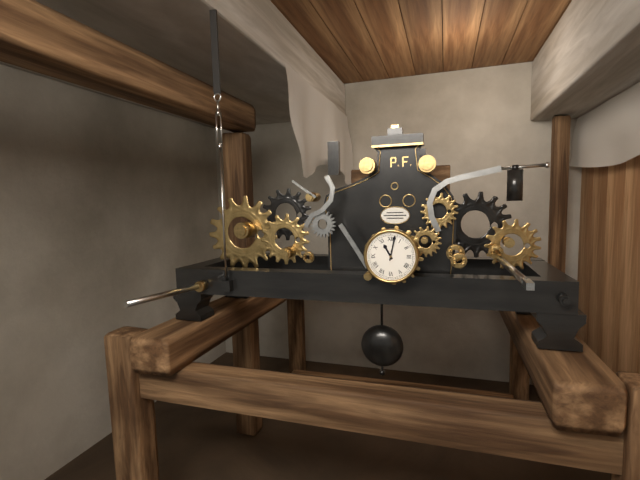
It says 11h02
